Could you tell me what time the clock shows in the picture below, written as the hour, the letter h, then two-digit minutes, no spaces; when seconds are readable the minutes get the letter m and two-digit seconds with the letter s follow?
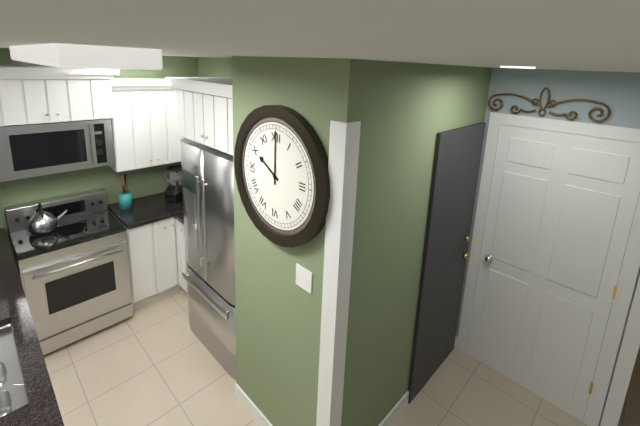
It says 10h00
